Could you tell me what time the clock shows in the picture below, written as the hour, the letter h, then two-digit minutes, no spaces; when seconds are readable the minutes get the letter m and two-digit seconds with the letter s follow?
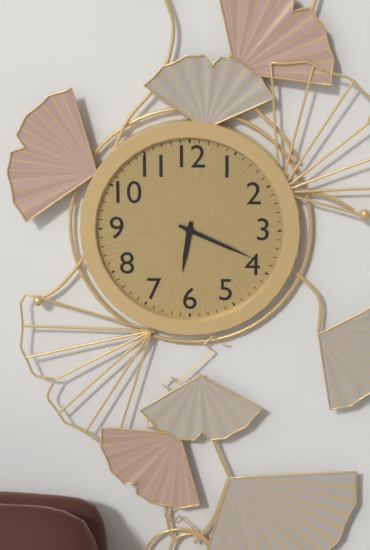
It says 6h19
